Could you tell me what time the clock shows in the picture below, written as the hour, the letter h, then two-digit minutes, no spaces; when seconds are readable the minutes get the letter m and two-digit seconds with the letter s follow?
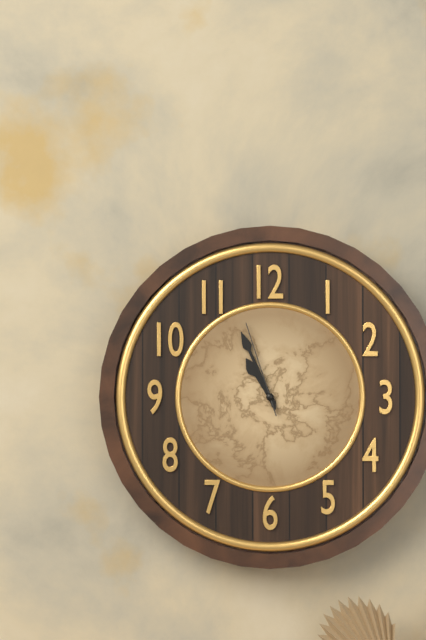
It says 10h56m57s
